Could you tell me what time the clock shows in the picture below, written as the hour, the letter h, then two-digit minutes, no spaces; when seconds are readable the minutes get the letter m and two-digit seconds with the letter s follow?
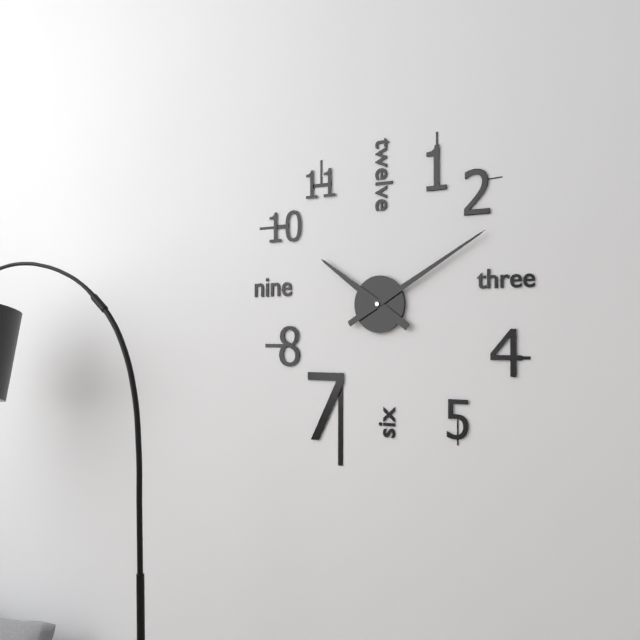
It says 10h10
